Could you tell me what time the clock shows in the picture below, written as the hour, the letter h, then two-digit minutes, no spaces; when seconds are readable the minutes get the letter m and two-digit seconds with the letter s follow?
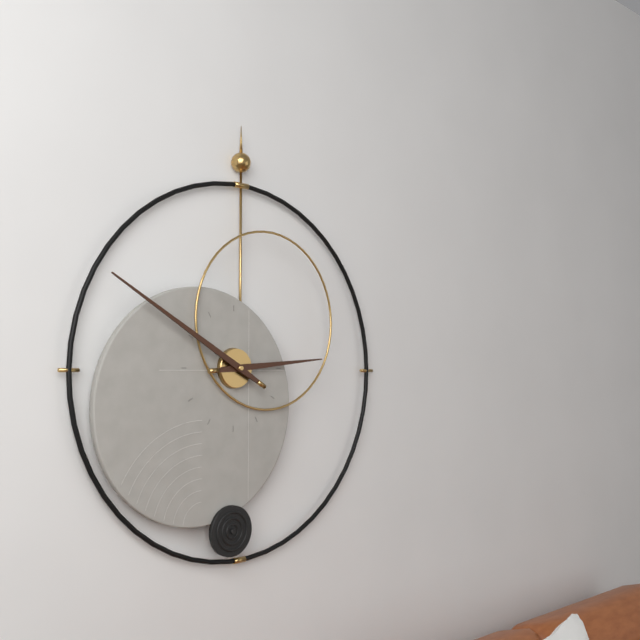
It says 2h50
